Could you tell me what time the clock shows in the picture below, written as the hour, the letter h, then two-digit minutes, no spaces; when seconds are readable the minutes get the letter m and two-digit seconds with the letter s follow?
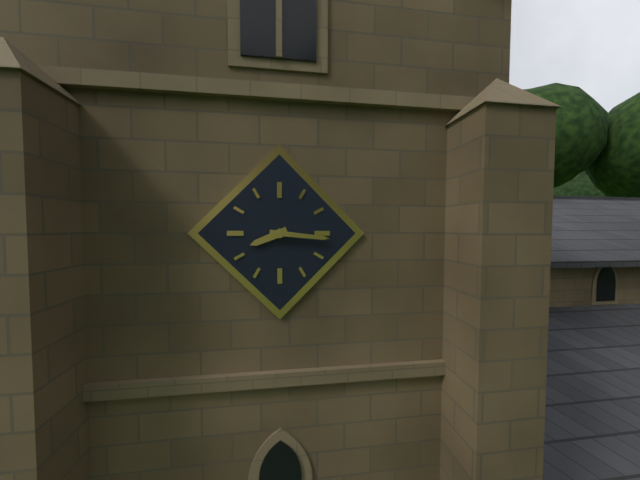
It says 8h16
